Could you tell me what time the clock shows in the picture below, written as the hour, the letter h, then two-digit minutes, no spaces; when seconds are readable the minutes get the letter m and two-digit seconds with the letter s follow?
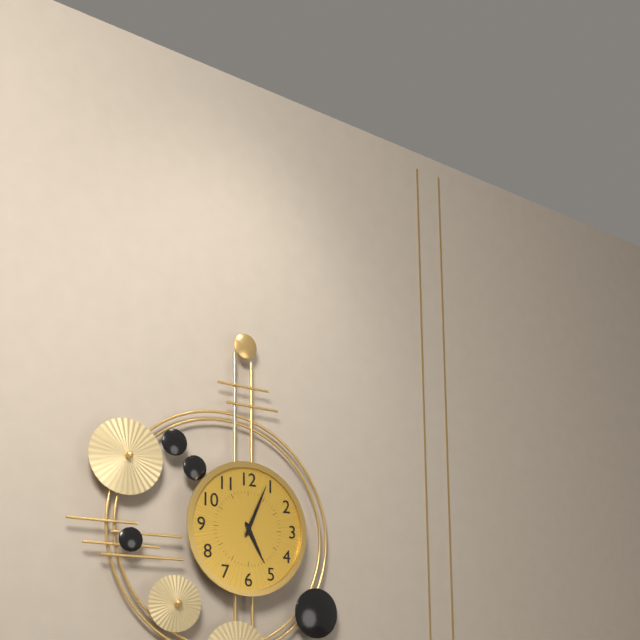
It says 5h04
